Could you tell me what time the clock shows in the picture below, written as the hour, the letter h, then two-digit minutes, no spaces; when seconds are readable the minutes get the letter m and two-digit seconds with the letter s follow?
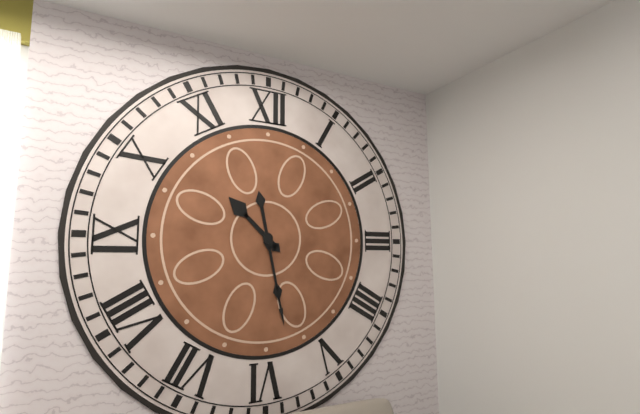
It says 10h28
